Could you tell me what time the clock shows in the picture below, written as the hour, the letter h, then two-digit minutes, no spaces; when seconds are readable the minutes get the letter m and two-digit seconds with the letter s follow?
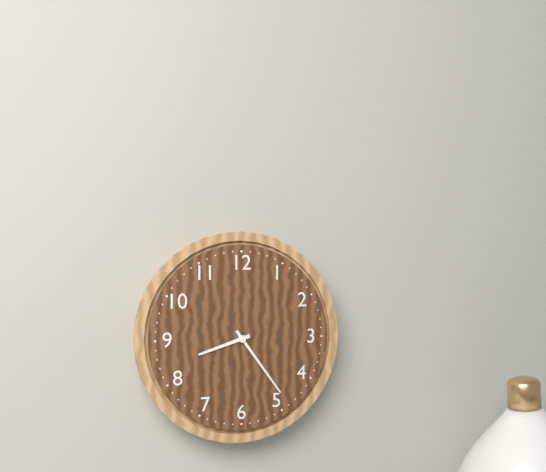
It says 8h24
